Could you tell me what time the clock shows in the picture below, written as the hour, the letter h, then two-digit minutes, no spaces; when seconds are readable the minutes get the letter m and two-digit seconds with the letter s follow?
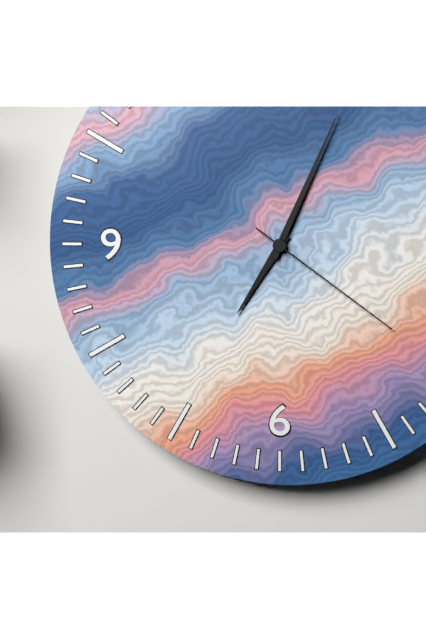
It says 7h04m21s
